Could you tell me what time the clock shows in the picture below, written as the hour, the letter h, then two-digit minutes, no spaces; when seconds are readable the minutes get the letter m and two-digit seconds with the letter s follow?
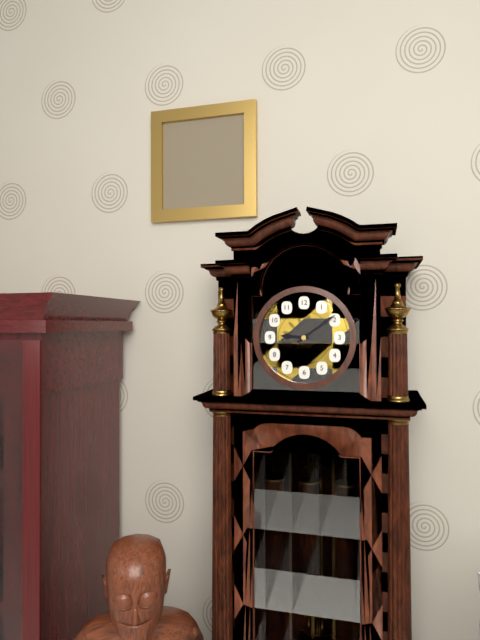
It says 9h09
